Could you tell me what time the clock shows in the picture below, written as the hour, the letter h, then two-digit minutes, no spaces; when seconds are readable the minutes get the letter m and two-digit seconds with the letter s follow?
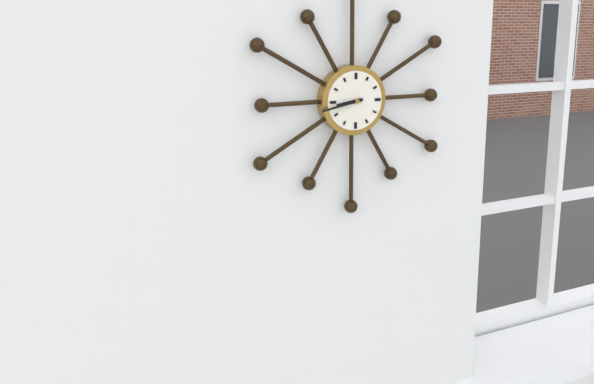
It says 8h43
